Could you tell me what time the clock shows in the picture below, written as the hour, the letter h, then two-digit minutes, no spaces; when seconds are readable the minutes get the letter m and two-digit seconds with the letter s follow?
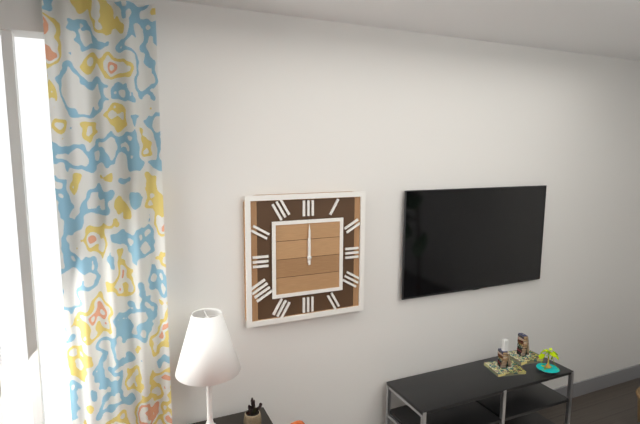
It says 12h00
